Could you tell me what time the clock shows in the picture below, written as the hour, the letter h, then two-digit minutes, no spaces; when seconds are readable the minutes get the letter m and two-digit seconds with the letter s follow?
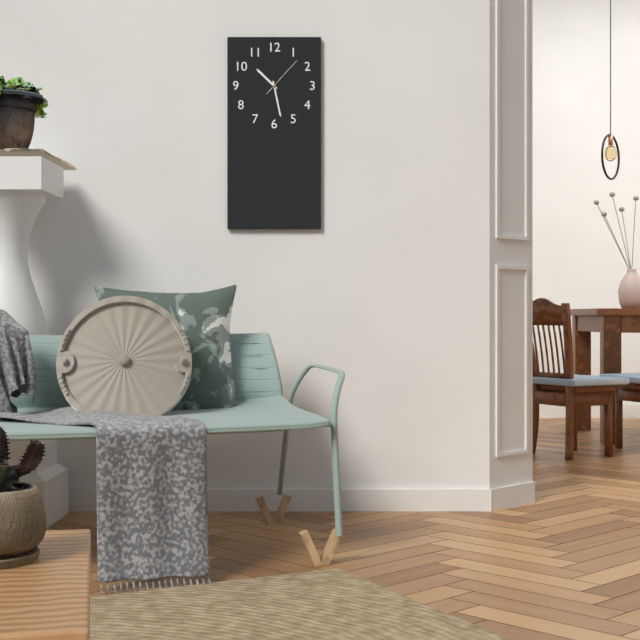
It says 10h28
